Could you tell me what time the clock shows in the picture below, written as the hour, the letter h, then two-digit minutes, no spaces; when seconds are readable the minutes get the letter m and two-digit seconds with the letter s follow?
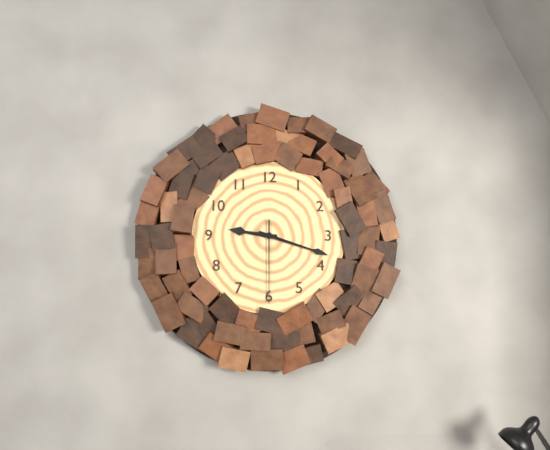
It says 9h18m30s
